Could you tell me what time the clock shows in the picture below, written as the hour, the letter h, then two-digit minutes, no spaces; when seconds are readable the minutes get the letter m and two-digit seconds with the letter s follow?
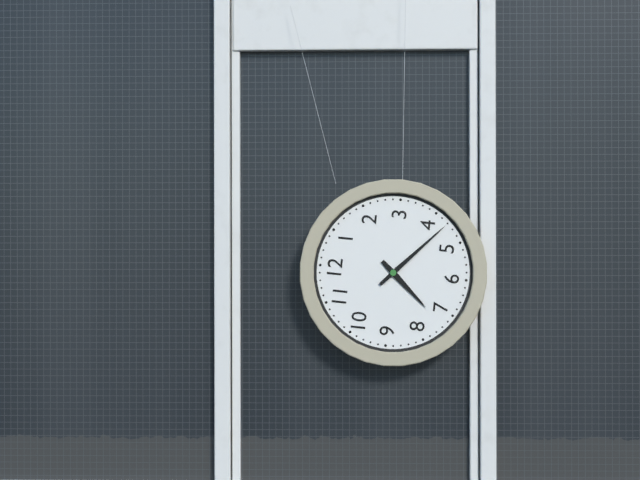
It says 7h22
